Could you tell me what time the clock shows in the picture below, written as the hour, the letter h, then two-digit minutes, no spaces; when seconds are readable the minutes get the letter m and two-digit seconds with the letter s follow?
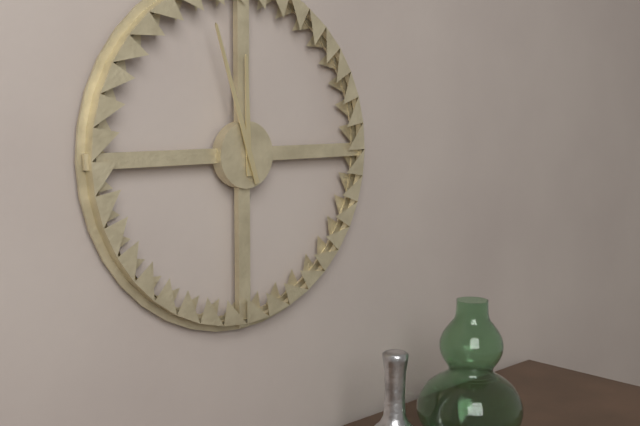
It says 11h57
